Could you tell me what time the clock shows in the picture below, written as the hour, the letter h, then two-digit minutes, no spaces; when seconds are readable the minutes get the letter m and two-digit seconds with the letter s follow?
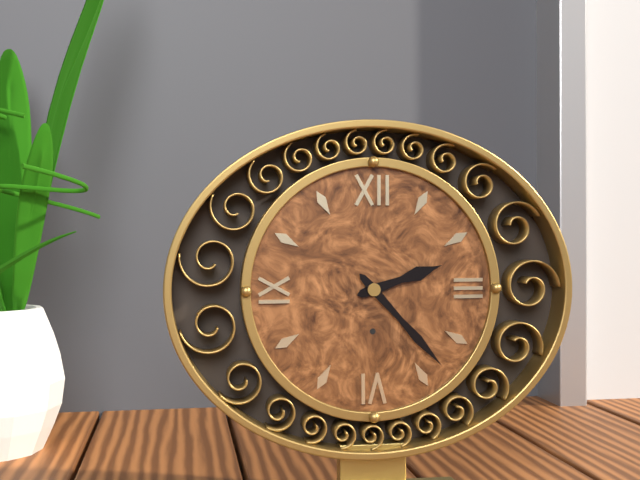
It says 2h23
